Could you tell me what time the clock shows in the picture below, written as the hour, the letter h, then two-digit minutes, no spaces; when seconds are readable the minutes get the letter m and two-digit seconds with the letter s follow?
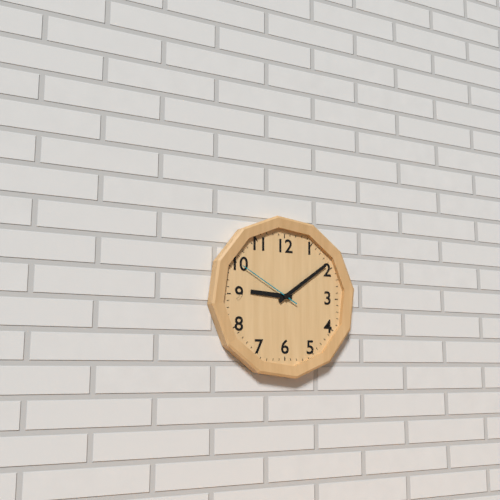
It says 9h09m50s
